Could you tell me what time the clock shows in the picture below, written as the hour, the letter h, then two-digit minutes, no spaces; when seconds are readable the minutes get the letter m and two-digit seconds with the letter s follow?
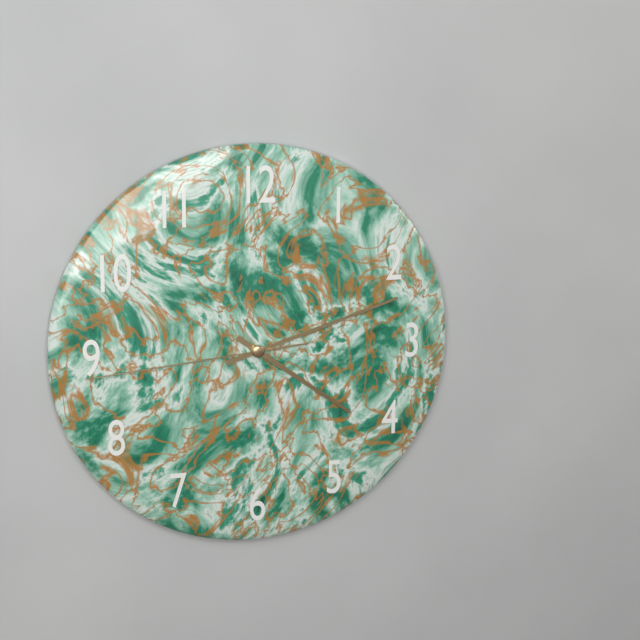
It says 4h12m44s
